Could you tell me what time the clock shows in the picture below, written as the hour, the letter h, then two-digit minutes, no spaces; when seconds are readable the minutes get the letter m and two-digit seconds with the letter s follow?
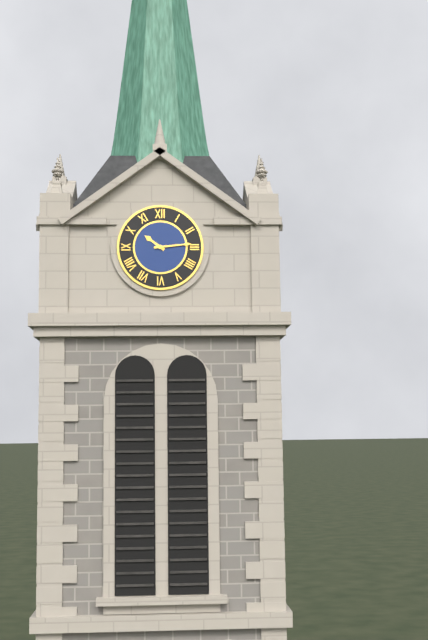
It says 10h14
